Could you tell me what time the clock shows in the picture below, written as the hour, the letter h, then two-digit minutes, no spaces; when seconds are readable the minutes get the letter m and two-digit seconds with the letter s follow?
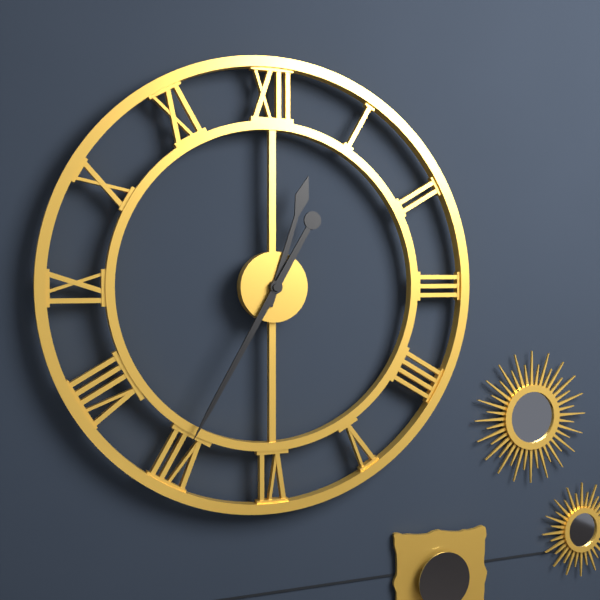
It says 12h35
